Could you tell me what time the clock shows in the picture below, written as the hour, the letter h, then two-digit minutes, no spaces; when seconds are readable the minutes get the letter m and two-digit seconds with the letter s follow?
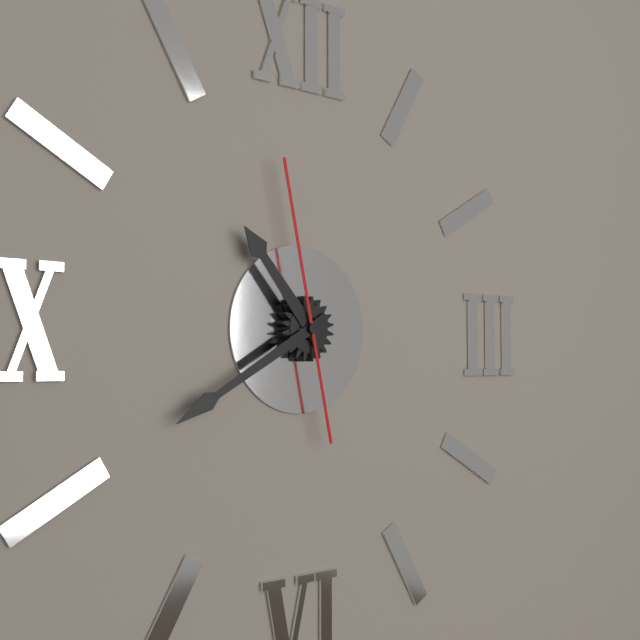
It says 10h40m58s
